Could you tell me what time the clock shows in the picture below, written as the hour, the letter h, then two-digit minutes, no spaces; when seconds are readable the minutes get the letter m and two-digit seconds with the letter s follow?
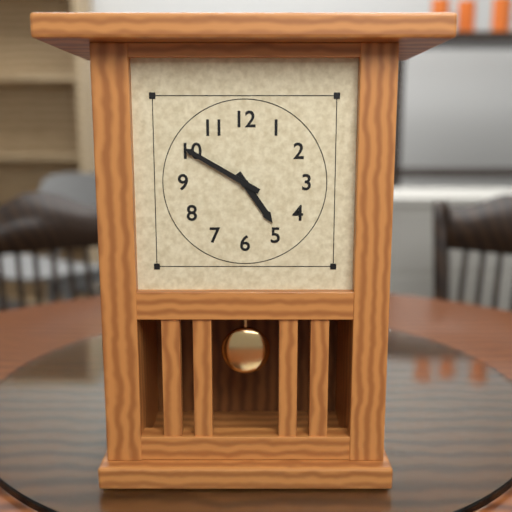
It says 4h50
